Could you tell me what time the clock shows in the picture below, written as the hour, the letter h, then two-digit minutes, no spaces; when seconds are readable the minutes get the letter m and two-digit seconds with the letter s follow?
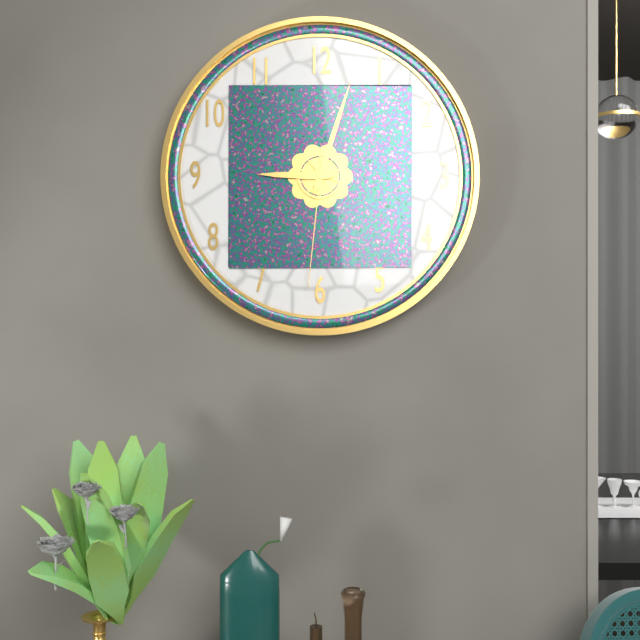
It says 9h03m31s
